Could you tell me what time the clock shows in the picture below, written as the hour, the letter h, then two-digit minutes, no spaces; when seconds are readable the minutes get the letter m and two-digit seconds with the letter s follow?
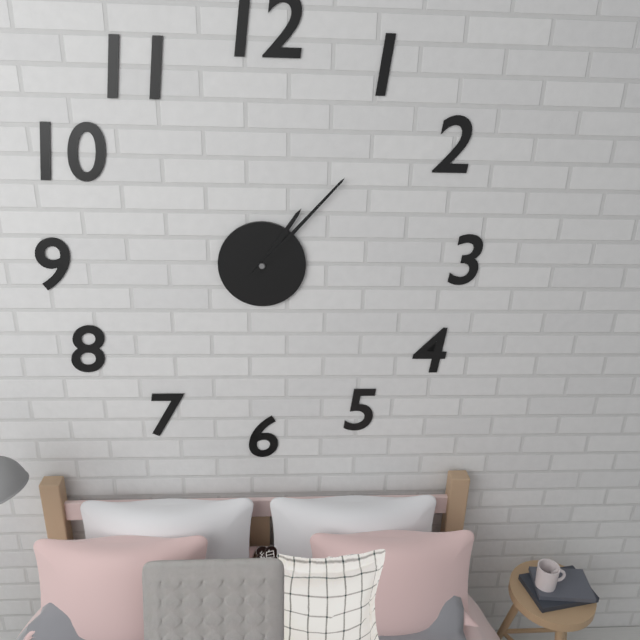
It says 1h07
